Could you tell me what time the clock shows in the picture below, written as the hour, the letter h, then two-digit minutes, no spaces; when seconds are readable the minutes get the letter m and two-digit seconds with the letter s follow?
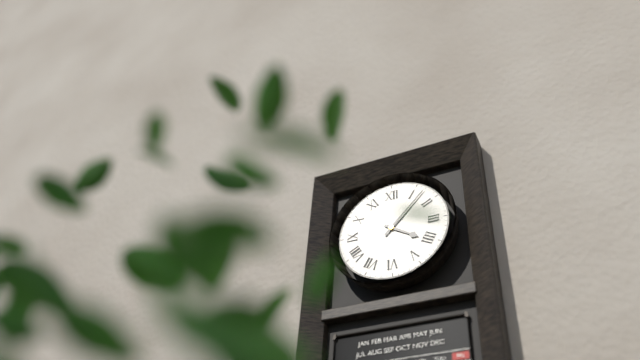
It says 4h07
